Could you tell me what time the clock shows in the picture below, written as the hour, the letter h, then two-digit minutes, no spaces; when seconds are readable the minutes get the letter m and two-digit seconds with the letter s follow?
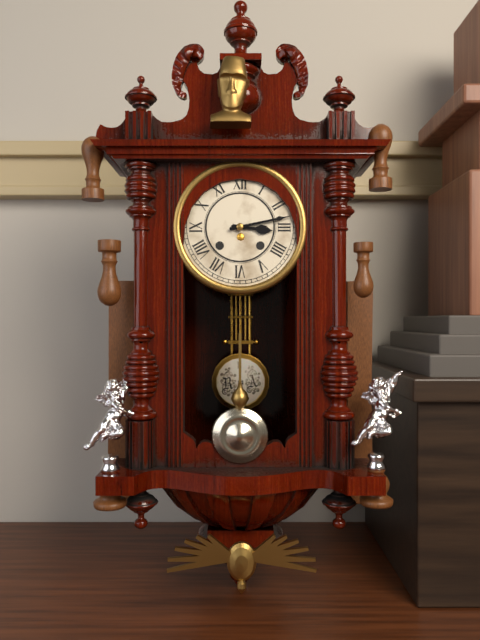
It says 3h13
